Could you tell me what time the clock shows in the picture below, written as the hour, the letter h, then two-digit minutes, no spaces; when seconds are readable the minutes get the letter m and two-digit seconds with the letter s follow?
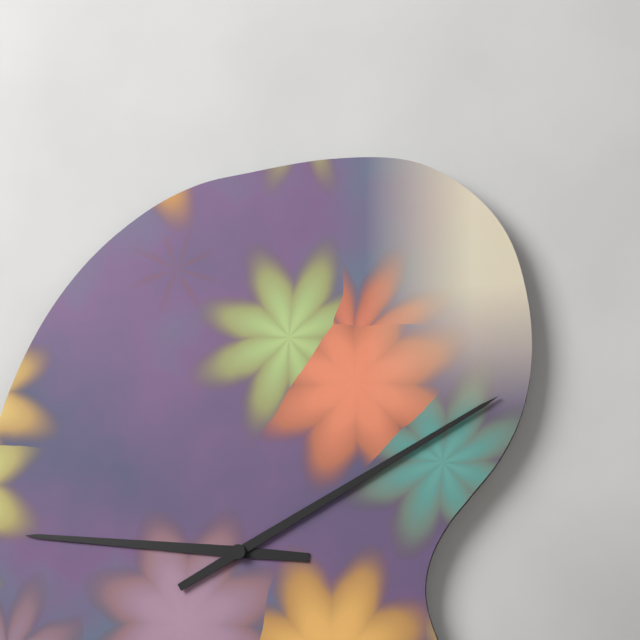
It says 9h10
